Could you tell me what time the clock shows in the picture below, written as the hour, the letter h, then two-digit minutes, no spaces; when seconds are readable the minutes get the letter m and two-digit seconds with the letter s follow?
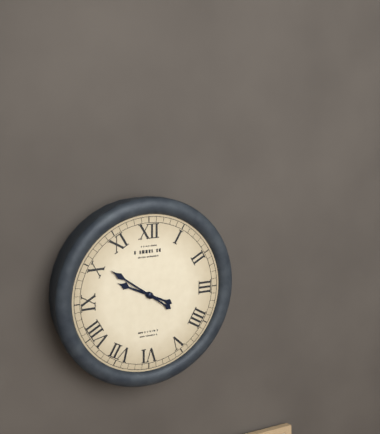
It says 9h51
